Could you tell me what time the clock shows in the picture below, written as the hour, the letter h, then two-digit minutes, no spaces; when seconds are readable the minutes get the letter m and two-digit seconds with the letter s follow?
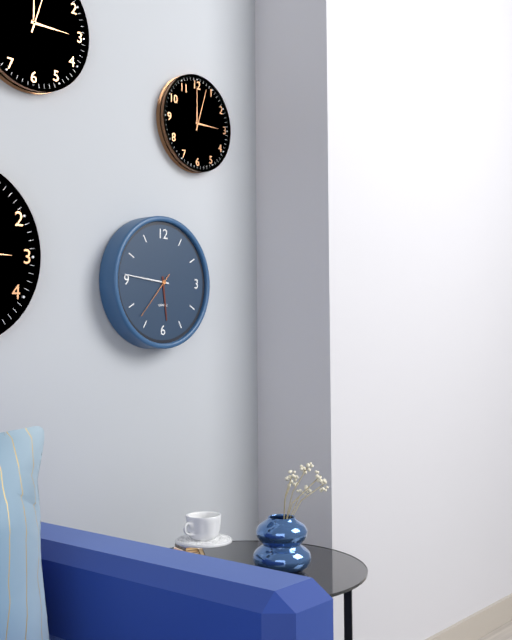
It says 5h46m37s
